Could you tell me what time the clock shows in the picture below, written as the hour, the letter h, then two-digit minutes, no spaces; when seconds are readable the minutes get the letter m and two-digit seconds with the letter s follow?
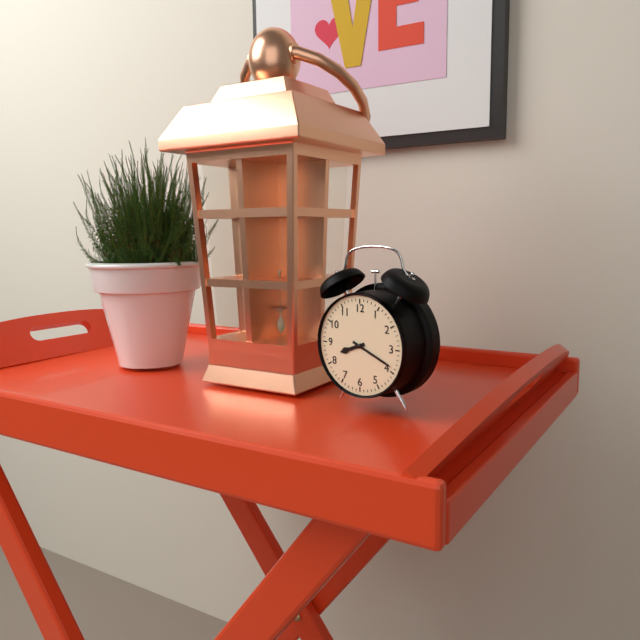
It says 8h19
